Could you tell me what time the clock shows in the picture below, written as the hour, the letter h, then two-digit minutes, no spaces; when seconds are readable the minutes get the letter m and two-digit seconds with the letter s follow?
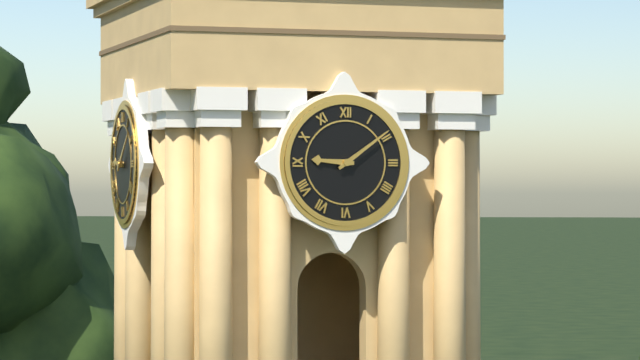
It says 9h09
